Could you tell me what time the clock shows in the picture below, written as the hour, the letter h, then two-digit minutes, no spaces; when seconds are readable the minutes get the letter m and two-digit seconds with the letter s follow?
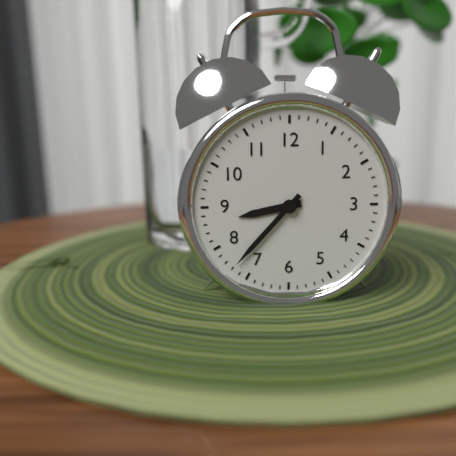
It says 8h37
